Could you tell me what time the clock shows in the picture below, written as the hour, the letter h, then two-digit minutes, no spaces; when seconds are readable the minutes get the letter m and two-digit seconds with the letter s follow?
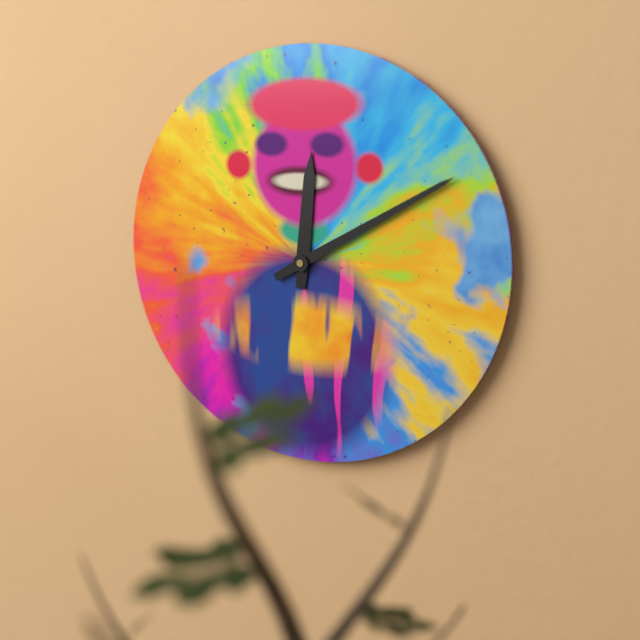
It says 12h10
